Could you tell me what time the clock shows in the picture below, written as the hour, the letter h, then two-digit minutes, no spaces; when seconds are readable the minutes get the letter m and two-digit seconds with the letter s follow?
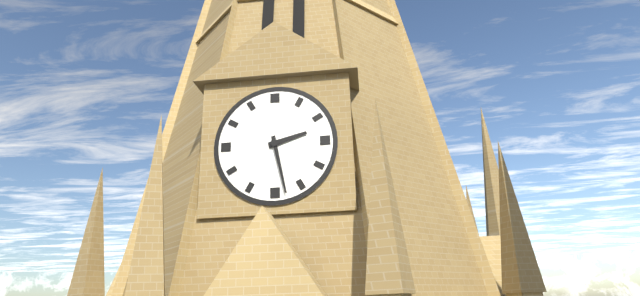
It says 2h28
